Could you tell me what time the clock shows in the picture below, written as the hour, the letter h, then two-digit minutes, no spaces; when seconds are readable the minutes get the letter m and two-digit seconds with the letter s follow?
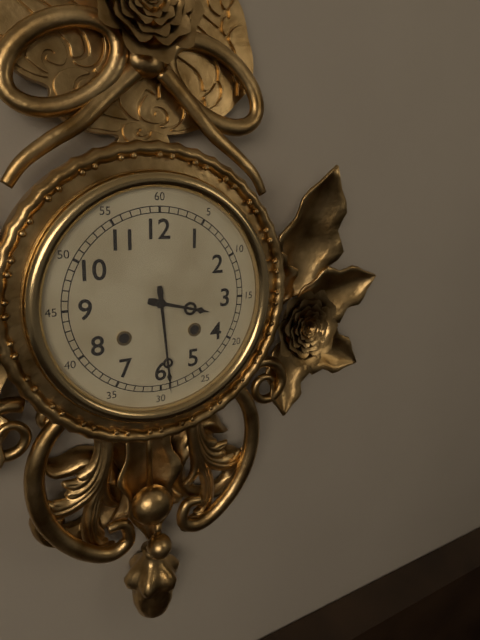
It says 3h29
